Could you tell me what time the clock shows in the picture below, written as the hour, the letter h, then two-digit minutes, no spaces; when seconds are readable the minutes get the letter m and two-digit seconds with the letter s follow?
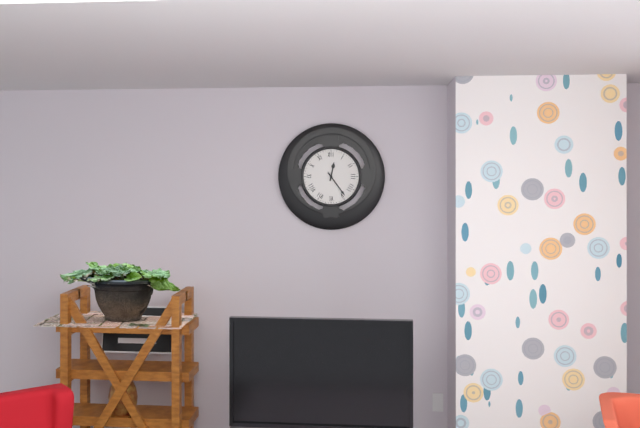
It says 12h24
